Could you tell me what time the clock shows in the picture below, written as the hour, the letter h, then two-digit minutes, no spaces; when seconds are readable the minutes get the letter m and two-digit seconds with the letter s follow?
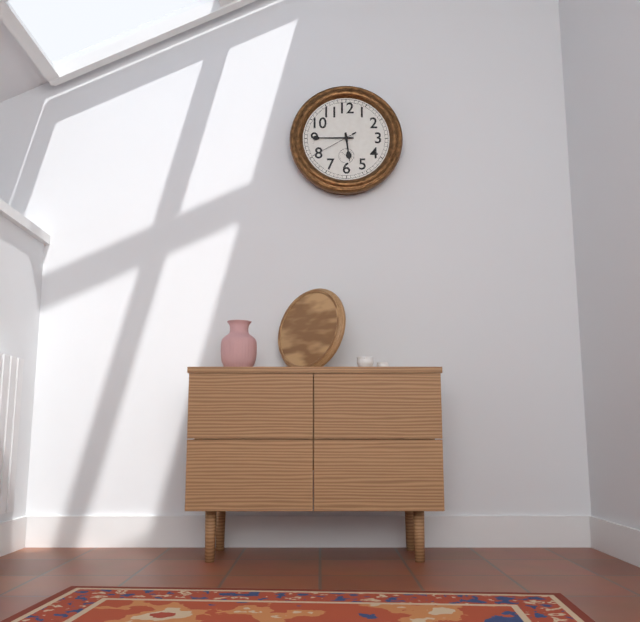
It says 5h45
